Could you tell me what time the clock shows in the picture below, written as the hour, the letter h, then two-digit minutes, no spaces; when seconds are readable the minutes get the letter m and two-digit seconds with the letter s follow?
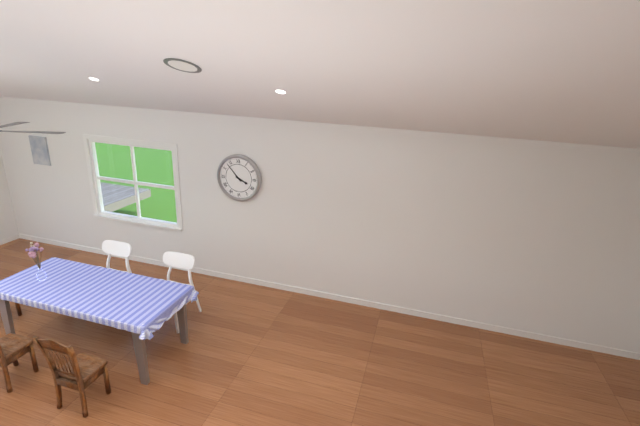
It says 3h53
